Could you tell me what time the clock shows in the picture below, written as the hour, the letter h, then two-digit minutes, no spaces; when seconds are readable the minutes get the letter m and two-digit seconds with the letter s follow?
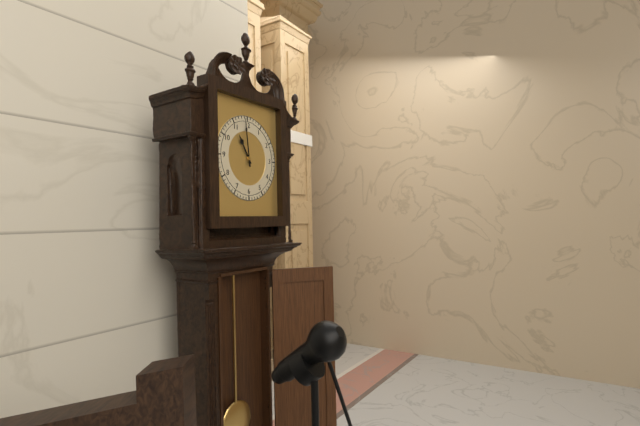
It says 10h59
